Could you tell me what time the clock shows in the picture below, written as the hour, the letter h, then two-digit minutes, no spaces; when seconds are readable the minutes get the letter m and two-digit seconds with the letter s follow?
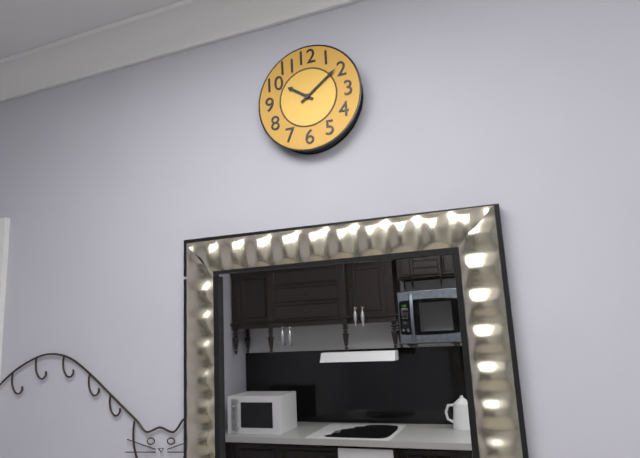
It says 10h09
